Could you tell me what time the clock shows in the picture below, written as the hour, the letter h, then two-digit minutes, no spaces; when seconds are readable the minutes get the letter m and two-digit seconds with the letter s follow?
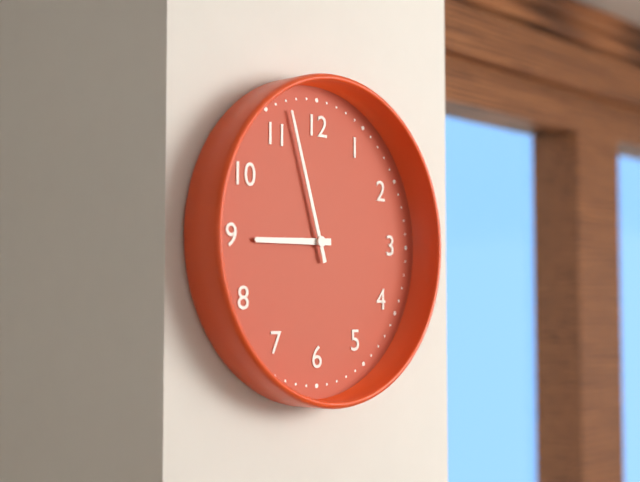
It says 8h57
